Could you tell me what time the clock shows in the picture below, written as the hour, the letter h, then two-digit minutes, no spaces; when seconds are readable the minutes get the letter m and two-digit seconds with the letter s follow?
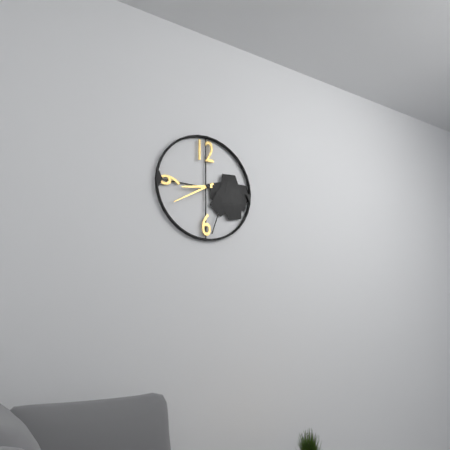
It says 8h40
